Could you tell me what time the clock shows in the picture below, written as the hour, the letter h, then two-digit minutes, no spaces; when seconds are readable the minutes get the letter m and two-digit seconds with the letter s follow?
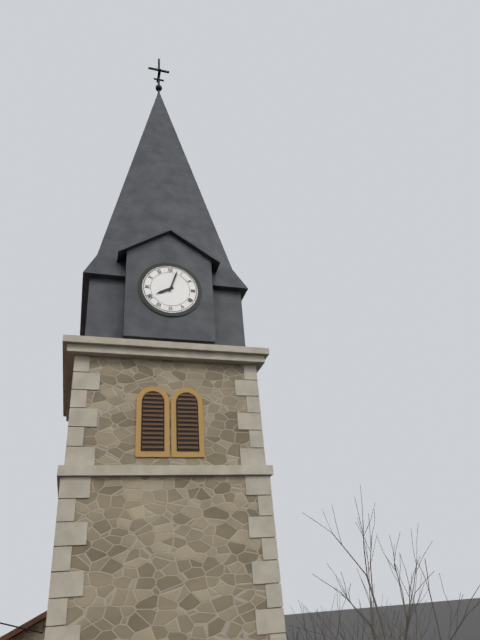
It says 8h03
